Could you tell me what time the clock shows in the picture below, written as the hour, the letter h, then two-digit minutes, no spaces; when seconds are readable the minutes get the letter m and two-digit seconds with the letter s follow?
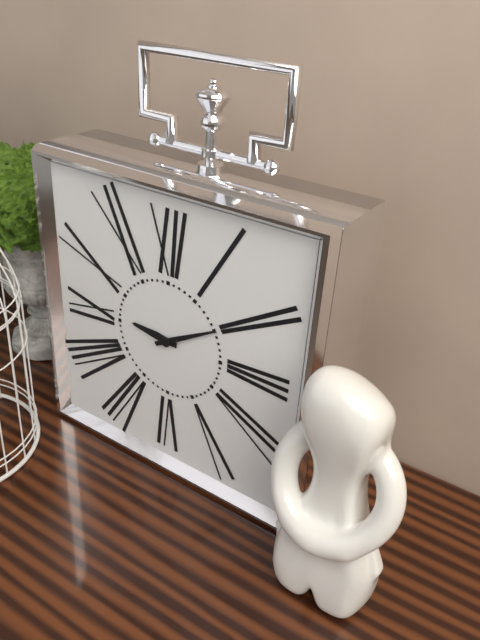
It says 9h10
